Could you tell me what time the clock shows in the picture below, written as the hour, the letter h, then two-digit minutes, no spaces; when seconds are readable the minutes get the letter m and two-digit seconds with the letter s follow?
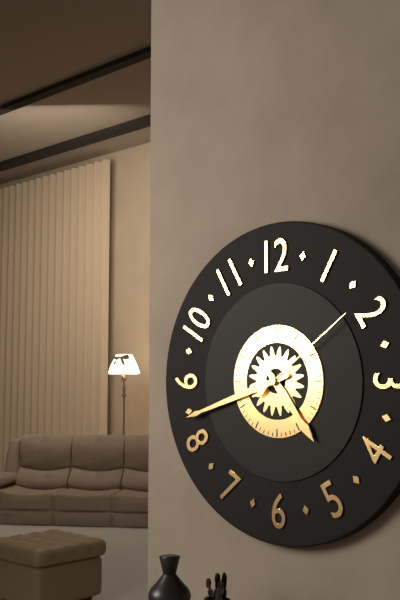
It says 4h42m09s
